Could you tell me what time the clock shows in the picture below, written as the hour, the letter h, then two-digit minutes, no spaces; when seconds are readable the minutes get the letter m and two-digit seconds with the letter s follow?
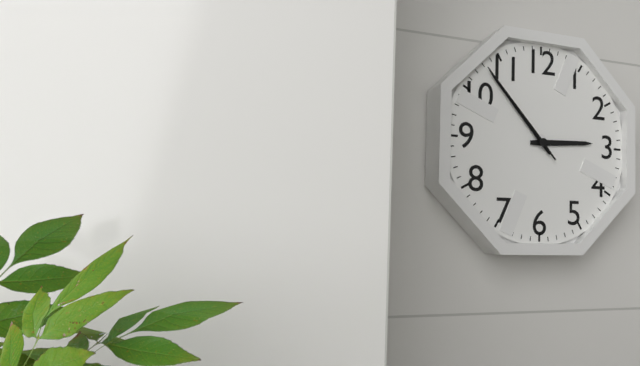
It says 2h53m53s
